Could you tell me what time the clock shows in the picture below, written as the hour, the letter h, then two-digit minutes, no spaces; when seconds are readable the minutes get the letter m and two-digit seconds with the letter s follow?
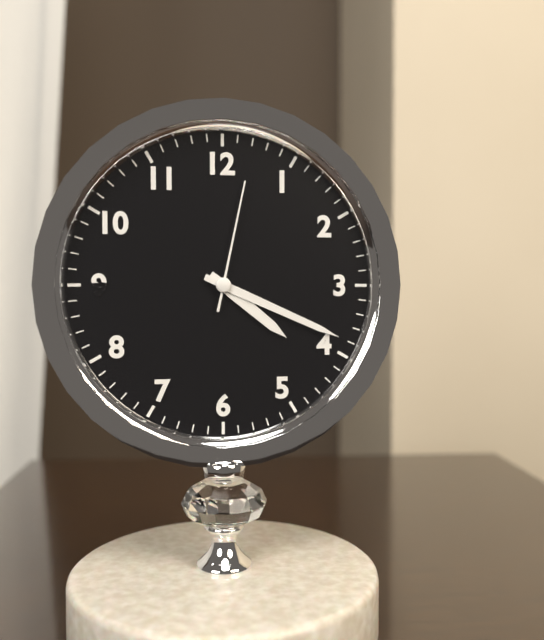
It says 4h19m02s
